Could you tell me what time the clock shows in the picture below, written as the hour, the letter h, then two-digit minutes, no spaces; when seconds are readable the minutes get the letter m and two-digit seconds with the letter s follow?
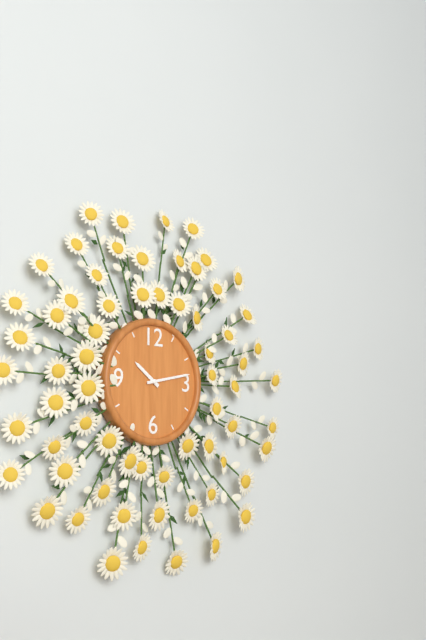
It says 10h13
